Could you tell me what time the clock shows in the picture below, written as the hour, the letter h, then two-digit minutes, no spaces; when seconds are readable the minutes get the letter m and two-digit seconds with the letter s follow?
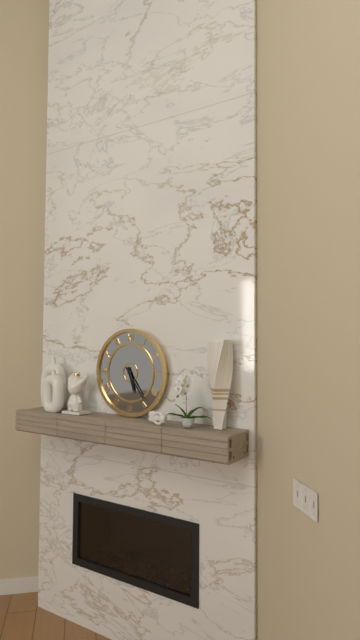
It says 5h24
